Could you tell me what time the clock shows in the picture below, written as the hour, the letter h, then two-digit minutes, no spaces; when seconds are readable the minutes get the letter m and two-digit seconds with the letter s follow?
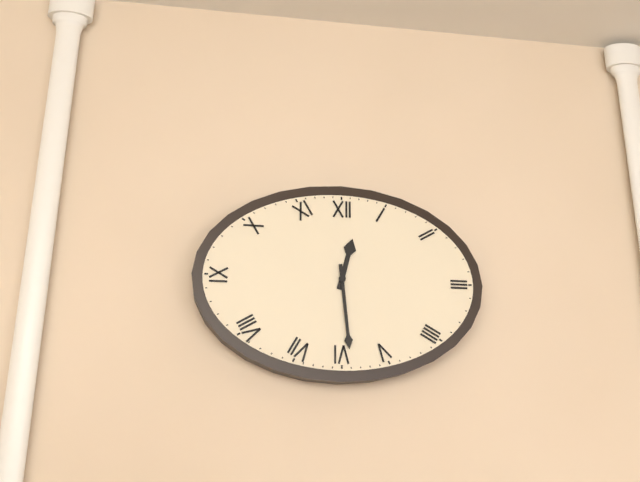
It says 12h29
